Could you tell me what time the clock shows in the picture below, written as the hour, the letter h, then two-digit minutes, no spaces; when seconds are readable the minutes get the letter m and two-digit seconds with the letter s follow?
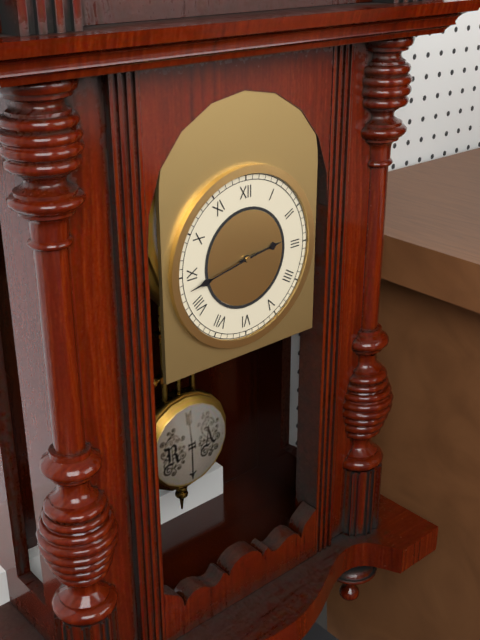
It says 2h43
